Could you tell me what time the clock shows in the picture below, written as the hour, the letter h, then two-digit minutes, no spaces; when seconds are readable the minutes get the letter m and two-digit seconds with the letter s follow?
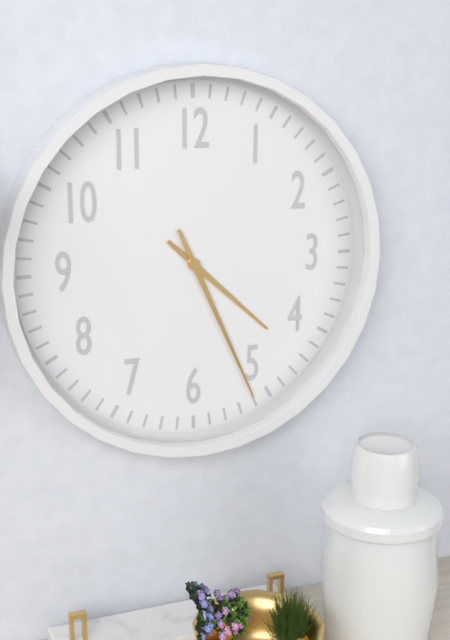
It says 4h26
